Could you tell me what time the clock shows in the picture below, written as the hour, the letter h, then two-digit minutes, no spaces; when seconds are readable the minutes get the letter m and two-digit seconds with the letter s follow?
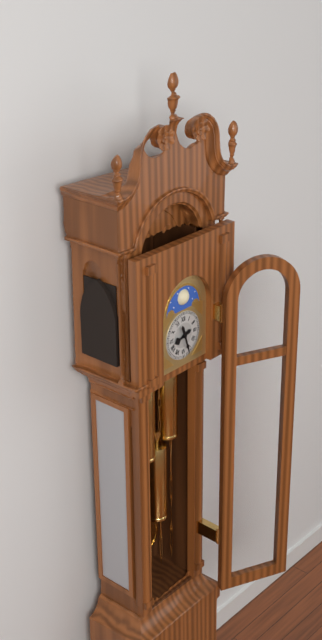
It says 8h27
